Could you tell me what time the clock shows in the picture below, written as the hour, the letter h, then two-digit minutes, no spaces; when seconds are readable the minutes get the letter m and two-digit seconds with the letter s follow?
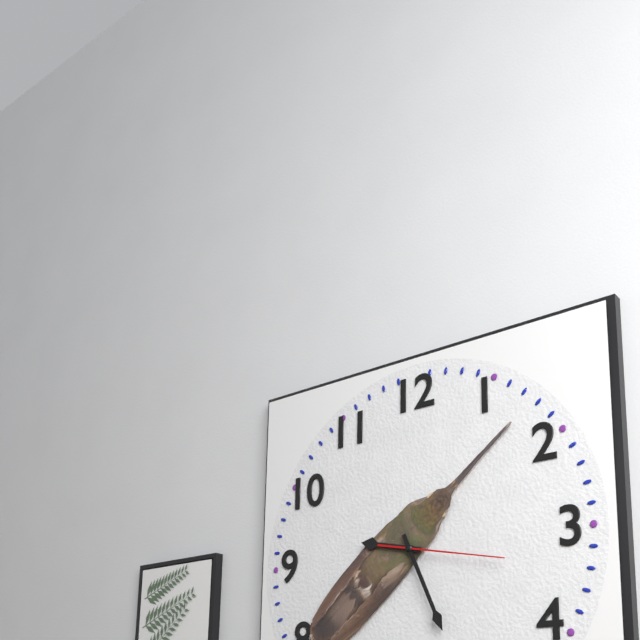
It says 9h26m17s
